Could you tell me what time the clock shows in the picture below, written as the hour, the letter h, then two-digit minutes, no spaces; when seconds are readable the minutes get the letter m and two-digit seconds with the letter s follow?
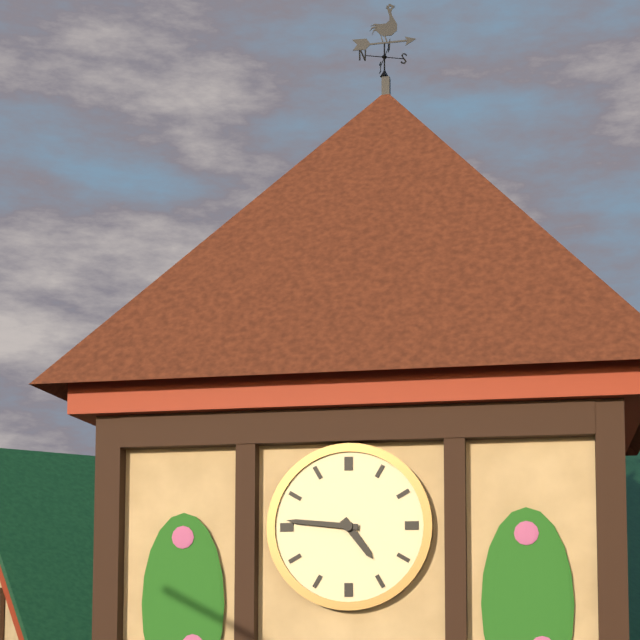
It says 4h46
